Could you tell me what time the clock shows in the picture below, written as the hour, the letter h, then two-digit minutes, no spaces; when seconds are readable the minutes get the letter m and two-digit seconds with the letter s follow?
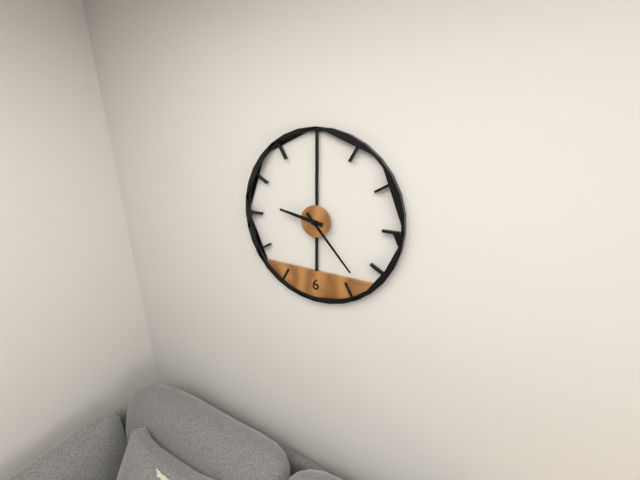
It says 9h23
